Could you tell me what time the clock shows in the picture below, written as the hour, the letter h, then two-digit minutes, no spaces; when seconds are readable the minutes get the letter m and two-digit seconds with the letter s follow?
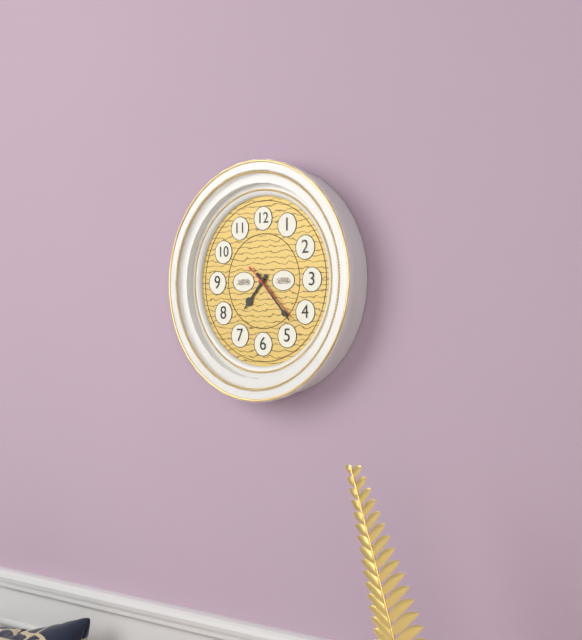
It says 7h23m22s
